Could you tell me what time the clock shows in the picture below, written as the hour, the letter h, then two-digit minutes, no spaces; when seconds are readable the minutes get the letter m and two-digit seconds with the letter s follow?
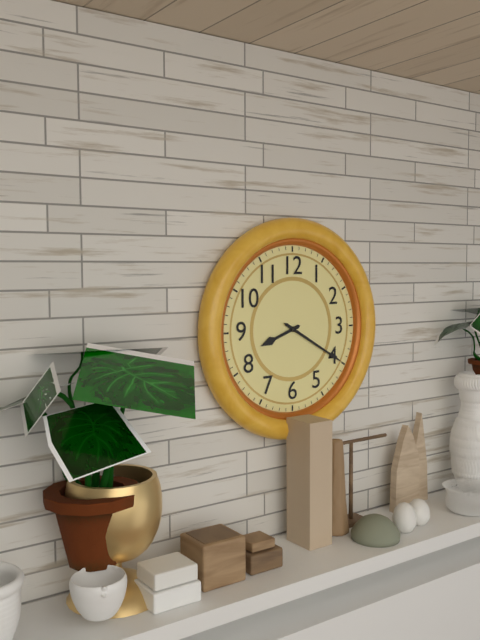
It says 8h20
